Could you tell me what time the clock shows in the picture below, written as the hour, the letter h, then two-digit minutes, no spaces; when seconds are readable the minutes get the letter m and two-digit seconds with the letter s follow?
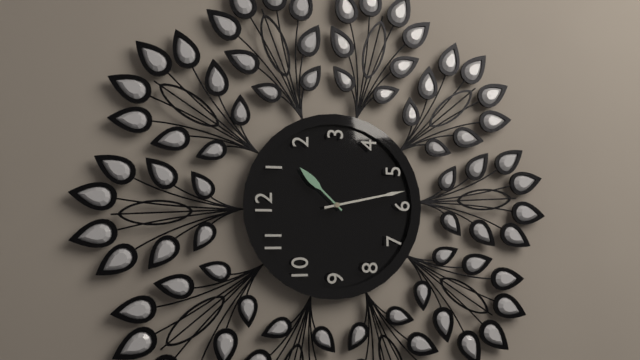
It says 1h28
